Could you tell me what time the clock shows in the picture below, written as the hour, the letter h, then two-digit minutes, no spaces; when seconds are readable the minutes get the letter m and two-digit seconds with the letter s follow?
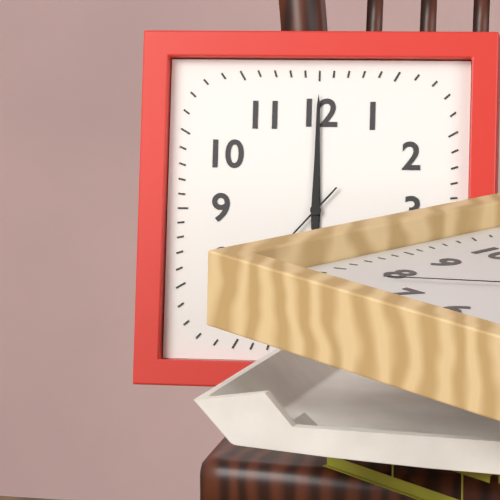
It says 12h00
